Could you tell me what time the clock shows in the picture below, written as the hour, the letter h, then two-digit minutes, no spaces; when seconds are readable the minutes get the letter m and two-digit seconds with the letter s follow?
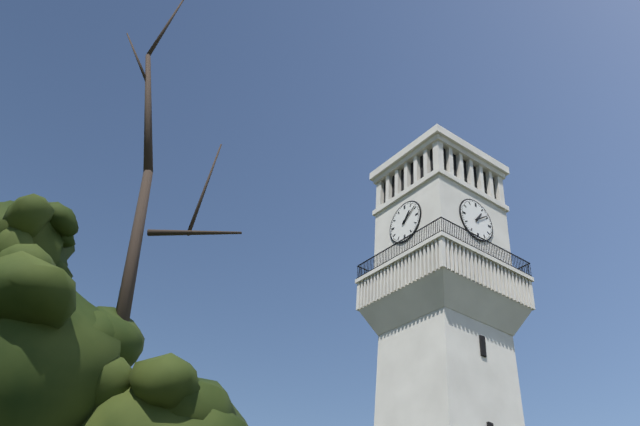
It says 1h09
